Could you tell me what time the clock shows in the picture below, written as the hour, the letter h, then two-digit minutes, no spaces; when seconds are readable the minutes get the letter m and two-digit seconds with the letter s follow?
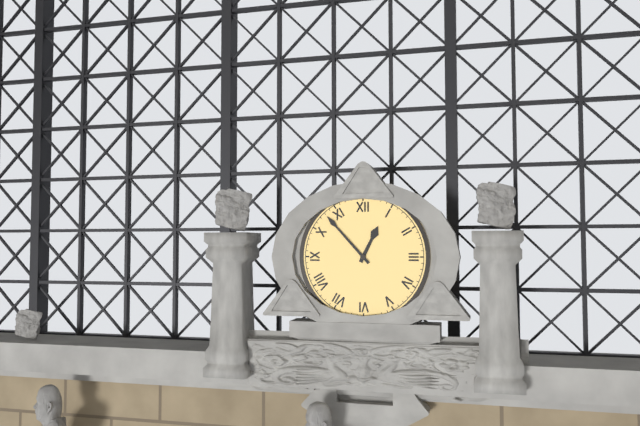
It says 12h53
